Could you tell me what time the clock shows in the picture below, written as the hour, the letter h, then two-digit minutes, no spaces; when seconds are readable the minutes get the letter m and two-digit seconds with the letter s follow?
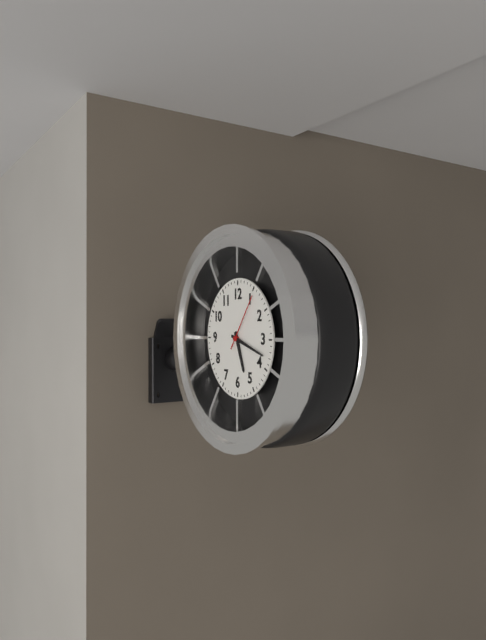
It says 5h18m06s
